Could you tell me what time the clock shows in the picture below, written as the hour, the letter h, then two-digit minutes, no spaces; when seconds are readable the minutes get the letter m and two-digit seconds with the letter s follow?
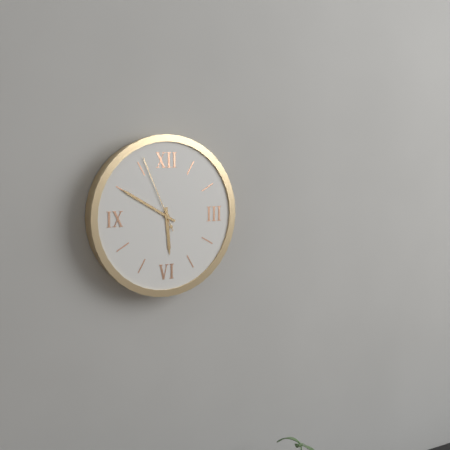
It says 5h50m56s
